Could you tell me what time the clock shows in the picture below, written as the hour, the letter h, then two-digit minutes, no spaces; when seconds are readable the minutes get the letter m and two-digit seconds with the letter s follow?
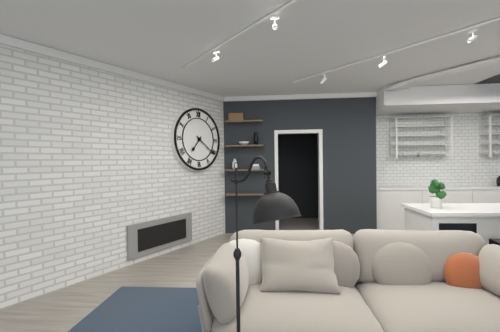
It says 7h21
